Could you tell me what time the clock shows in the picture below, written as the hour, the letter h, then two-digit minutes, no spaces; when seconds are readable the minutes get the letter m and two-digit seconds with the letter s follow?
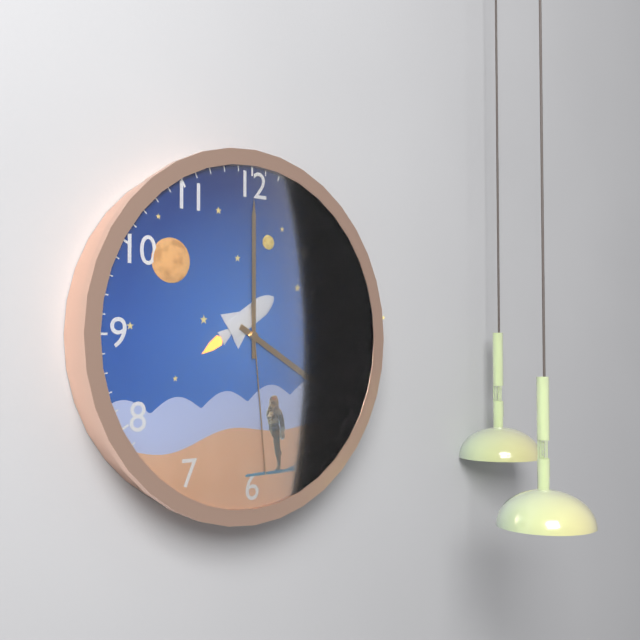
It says 4h00m29s
